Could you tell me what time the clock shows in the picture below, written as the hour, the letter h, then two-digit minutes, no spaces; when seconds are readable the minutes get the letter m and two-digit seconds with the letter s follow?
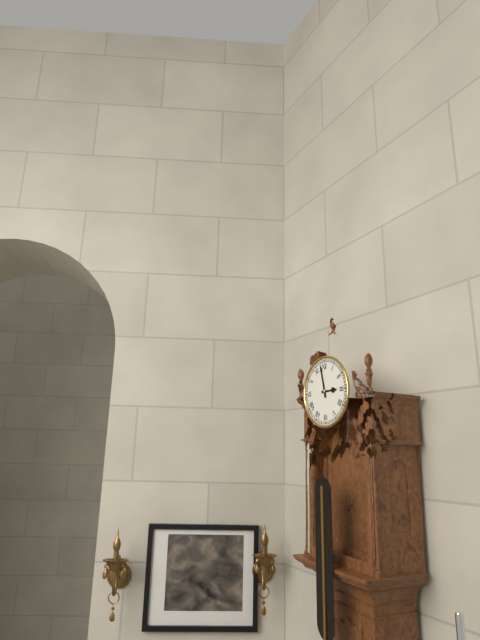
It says 2h58
